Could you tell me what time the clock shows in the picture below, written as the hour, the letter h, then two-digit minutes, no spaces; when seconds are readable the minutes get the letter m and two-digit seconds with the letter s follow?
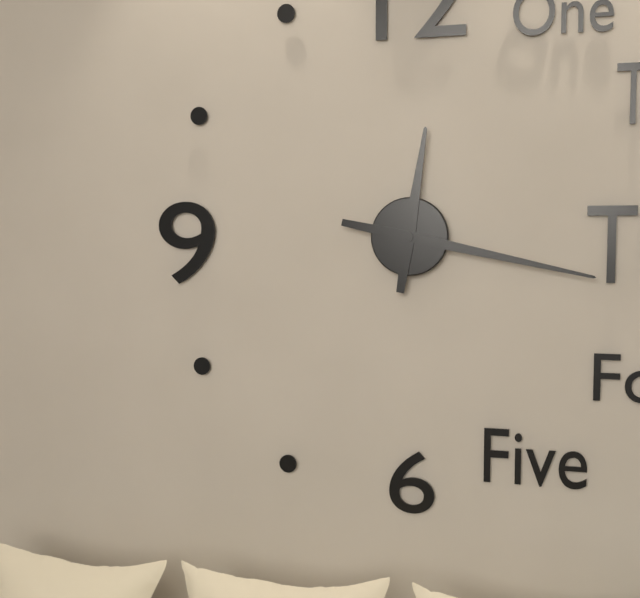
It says 12h17
